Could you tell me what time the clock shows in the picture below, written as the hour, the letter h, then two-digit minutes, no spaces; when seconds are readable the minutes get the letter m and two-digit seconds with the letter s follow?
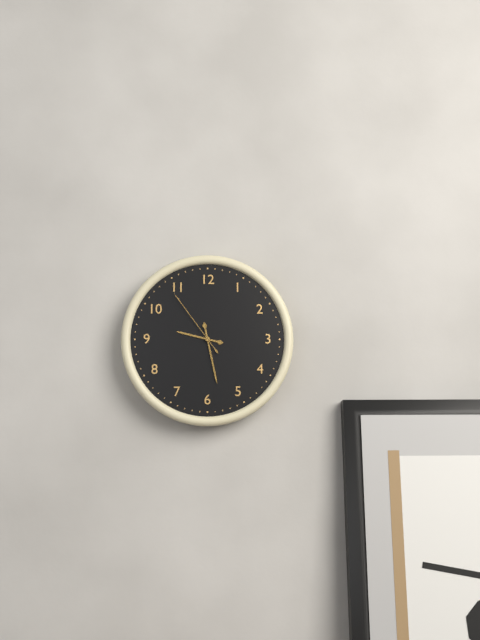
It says 9h28m54s
